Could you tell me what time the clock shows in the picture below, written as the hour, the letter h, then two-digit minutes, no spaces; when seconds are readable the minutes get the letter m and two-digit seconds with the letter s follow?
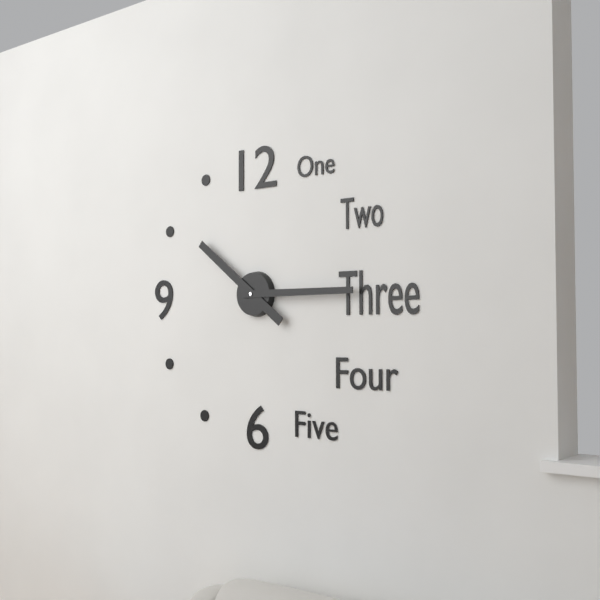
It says 10h15
